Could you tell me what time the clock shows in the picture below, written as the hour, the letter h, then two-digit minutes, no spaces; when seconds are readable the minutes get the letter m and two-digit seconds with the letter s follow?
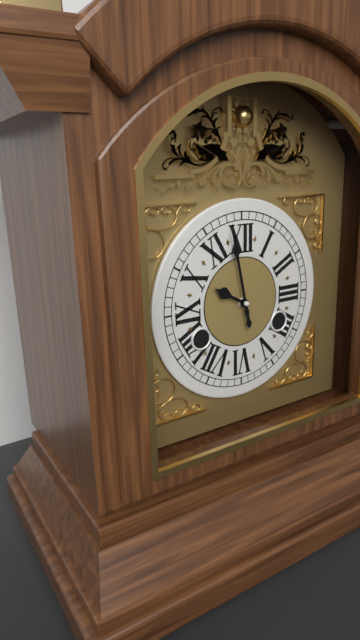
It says 9h58
